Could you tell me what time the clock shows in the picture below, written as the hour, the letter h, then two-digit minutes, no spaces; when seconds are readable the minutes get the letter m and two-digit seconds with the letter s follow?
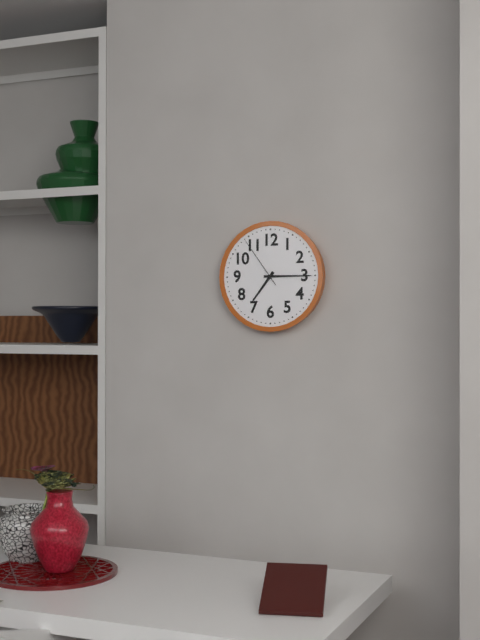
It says 7h15m54s
